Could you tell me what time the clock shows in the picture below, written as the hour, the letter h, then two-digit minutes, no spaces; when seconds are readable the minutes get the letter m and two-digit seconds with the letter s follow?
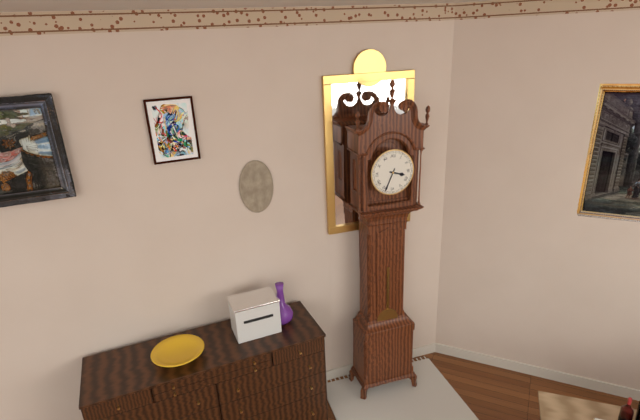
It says 3h34
